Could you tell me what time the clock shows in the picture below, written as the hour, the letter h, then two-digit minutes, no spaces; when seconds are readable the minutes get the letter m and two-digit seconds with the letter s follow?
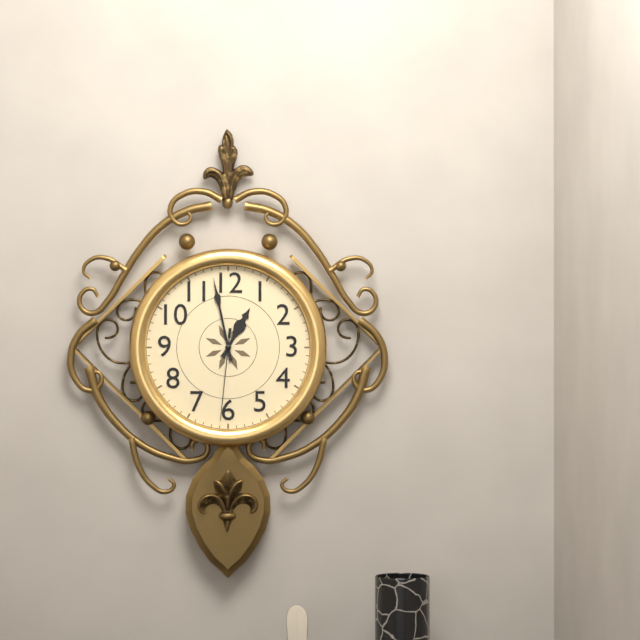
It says 12h58m31s
